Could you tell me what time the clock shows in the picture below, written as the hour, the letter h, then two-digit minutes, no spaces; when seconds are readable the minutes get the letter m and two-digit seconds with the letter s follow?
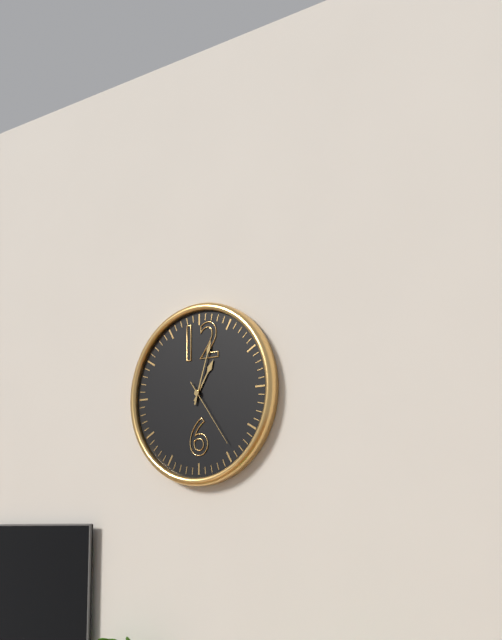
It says 1h03m24s
